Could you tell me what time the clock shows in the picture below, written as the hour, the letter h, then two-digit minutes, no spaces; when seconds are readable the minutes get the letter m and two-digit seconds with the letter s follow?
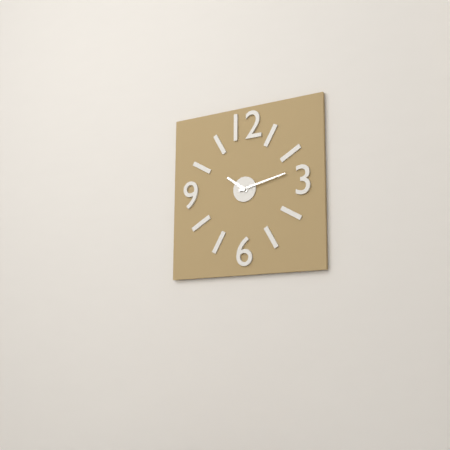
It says 10h13
